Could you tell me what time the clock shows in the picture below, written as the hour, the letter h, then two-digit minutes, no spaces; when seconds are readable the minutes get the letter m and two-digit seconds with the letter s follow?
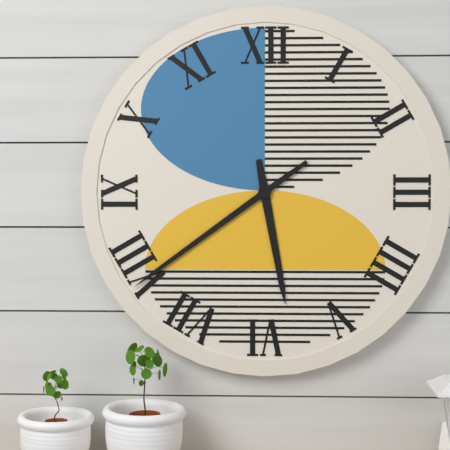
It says 5h39
